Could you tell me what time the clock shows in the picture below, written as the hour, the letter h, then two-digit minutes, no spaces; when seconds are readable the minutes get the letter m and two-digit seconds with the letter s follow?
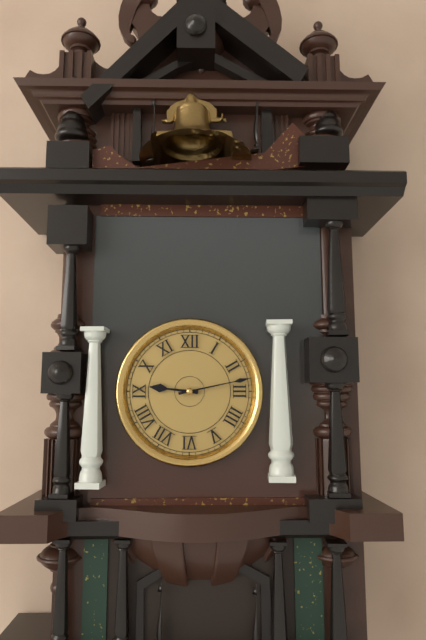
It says 9h13
